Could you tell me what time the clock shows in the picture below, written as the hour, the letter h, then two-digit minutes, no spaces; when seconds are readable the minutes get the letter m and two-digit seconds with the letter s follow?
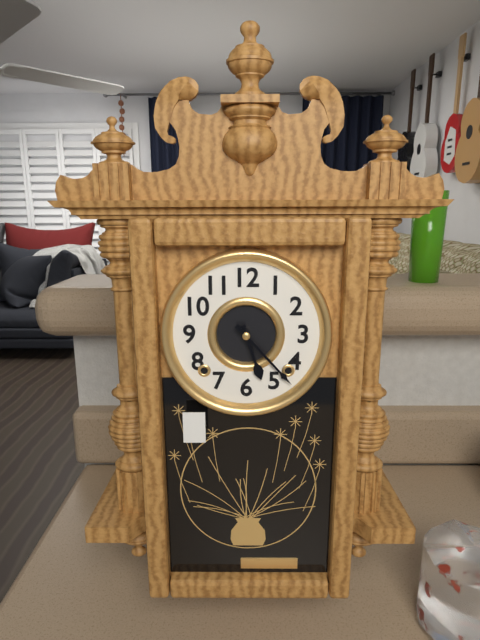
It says 5h23
